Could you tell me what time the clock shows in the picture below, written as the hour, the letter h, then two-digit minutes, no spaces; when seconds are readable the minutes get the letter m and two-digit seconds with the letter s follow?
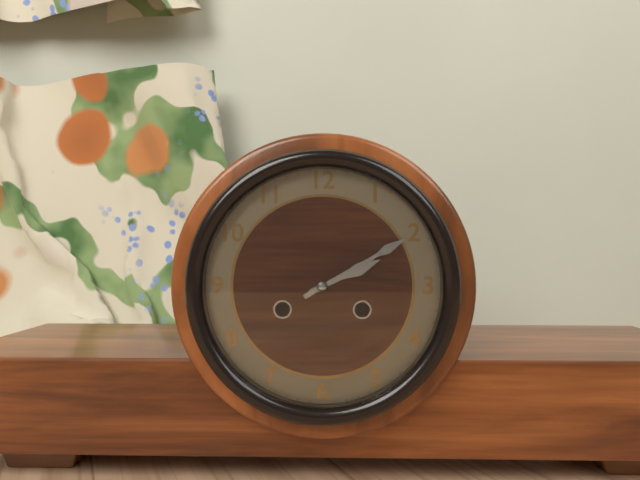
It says 2h10
